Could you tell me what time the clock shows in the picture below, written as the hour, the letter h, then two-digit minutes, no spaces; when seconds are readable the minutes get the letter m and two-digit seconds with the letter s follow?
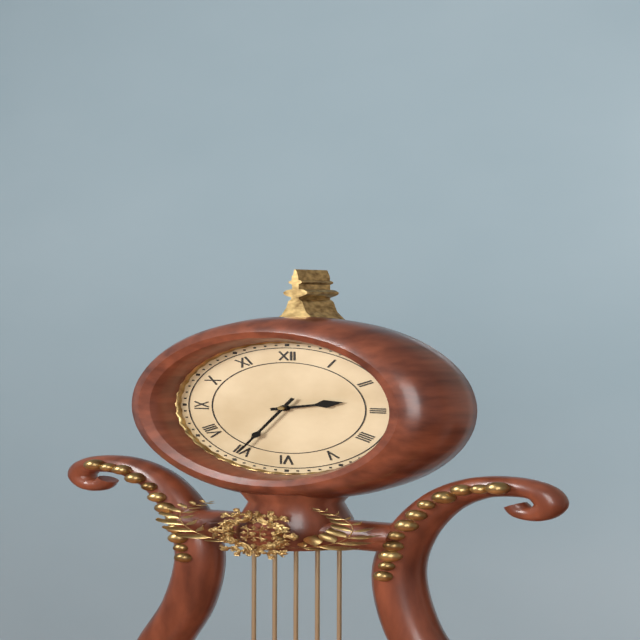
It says 2h35
